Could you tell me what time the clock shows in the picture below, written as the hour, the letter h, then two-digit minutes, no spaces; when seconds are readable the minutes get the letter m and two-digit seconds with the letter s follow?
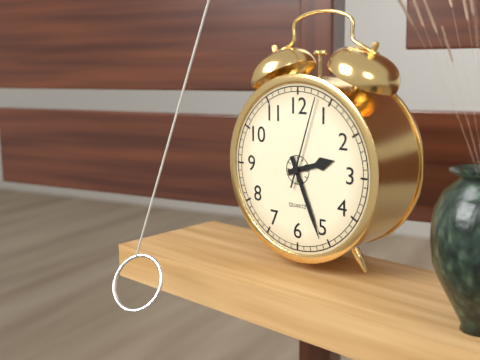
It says 2h26m03s
